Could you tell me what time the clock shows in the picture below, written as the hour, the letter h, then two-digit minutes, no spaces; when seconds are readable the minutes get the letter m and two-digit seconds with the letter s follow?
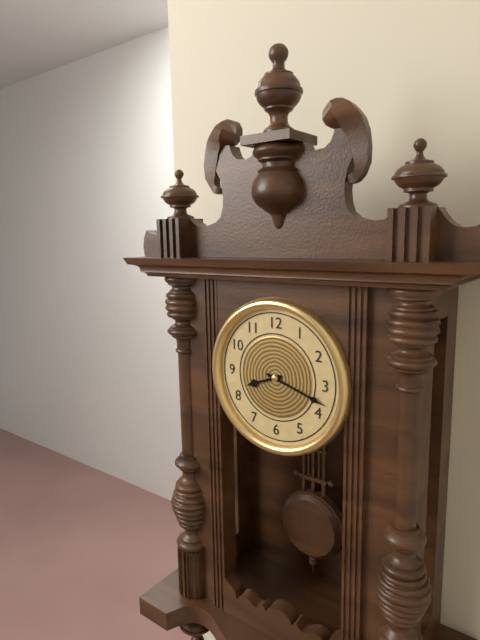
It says 8h18
